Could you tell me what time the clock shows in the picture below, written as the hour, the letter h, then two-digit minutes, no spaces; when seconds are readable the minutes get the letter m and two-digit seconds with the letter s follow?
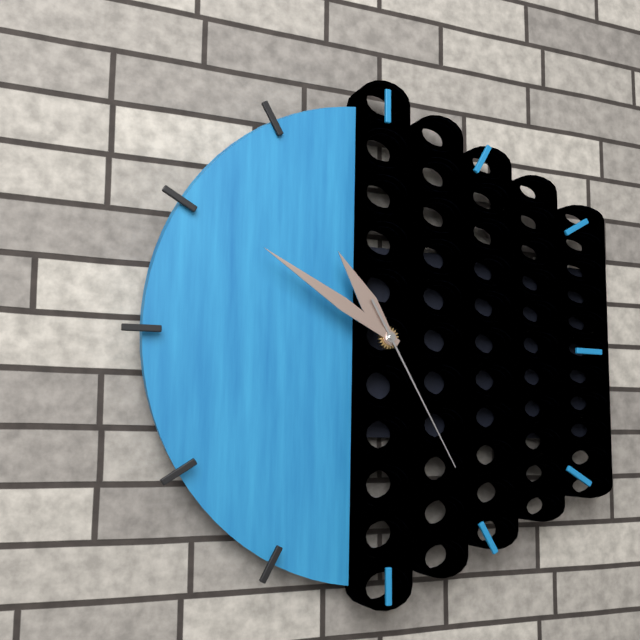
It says 10h50m25s
